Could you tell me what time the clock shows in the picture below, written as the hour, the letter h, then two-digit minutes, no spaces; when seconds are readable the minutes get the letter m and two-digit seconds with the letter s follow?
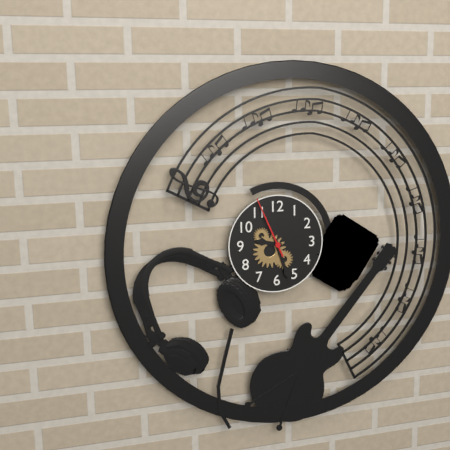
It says 9h27m56s
